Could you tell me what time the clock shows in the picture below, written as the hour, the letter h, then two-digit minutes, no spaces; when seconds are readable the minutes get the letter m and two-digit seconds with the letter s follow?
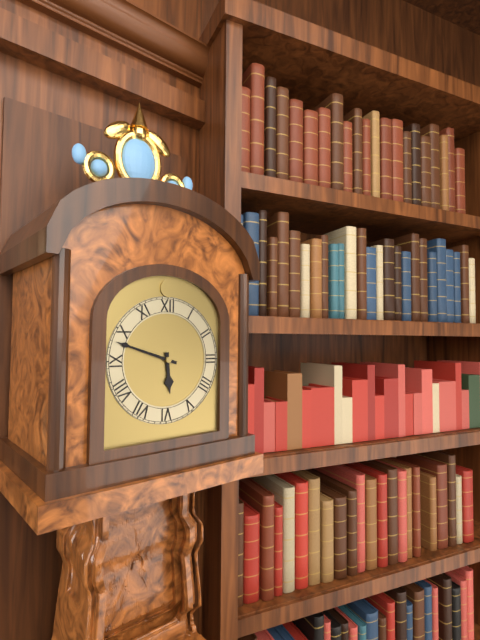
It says 5h48
